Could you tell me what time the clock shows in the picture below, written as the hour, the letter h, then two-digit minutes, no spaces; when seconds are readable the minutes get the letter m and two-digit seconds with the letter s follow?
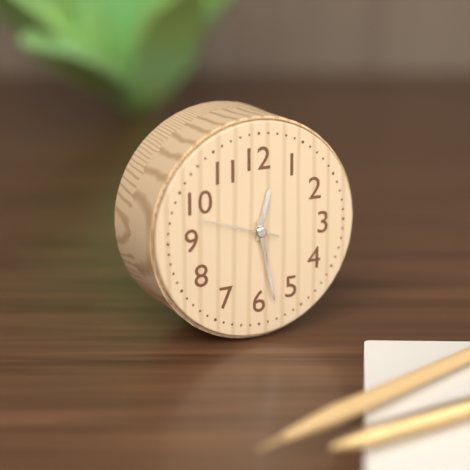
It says 12h28m48s
